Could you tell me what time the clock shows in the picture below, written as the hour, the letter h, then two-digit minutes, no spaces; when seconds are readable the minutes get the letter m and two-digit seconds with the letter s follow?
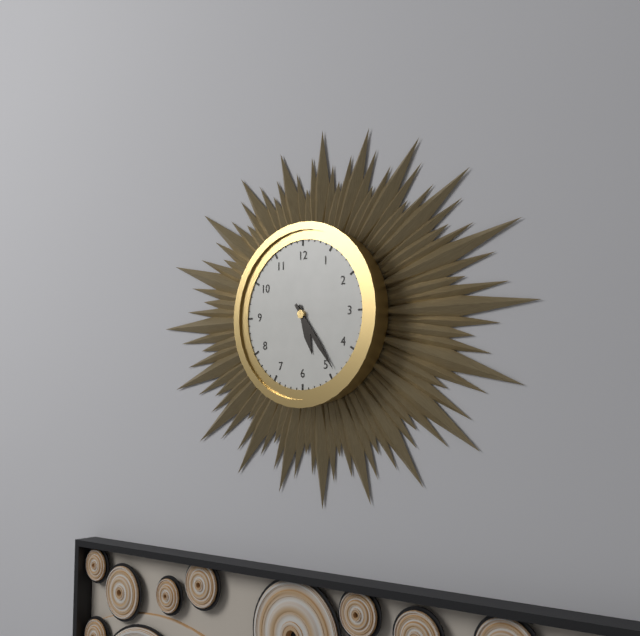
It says 5h24
